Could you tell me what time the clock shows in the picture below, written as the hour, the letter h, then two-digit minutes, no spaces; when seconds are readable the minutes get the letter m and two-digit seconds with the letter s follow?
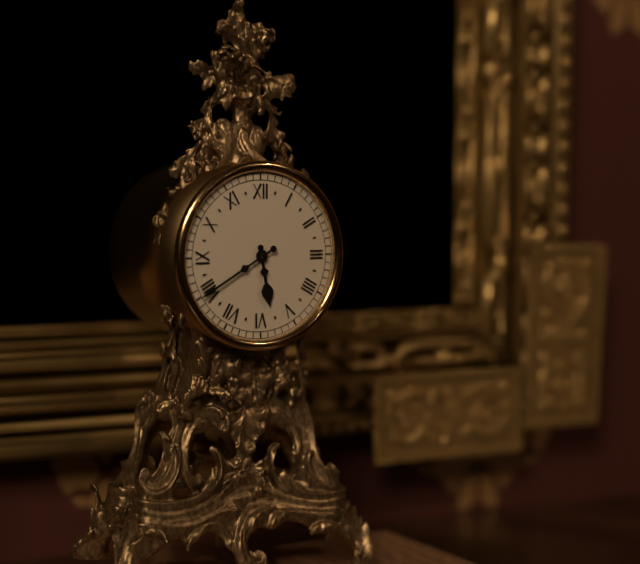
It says 5h40
